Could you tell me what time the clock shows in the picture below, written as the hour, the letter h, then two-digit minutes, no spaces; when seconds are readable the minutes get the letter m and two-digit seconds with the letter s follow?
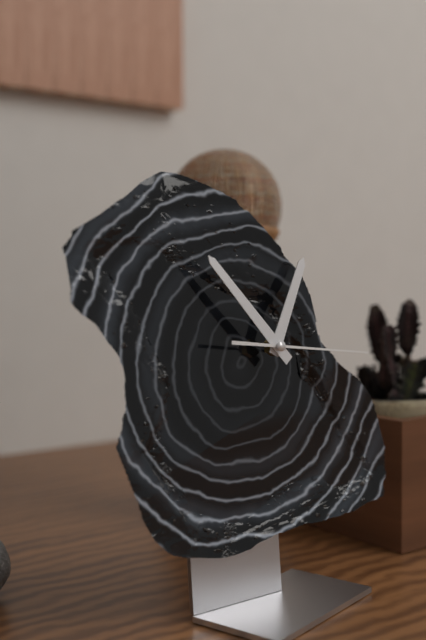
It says 12h53m16s
